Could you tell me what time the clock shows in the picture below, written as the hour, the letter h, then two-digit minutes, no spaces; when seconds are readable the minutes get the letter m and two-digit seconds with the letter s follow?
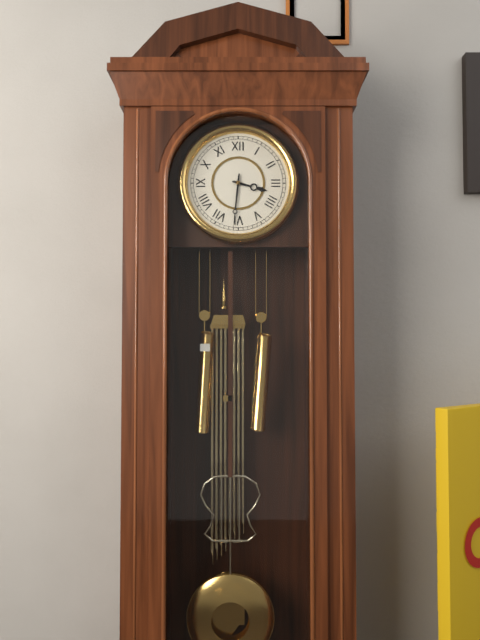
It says 3h31
